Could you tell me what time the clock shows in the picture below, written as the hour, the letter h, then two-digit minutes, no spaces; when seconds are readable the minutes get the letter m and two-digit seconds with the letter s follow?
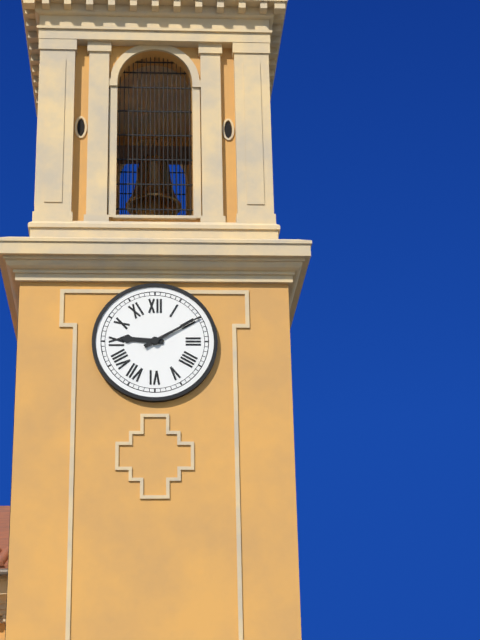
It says 9h10
